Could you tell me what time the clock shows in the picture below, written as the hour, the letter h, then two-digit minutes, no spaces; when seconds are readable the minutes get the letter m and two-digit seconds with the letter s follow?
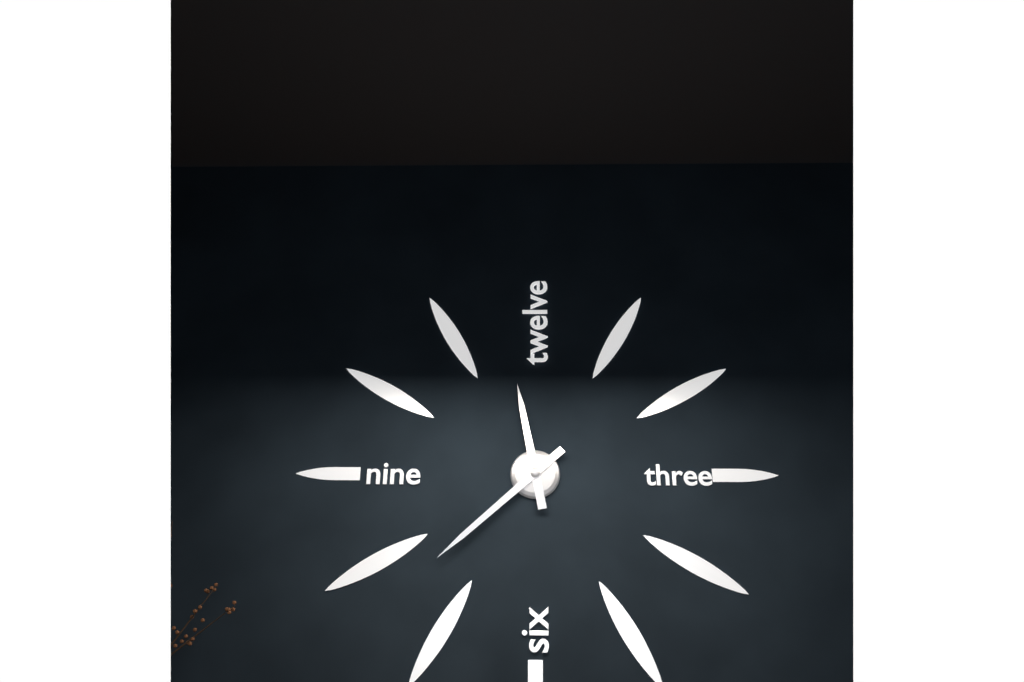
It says 11h38
